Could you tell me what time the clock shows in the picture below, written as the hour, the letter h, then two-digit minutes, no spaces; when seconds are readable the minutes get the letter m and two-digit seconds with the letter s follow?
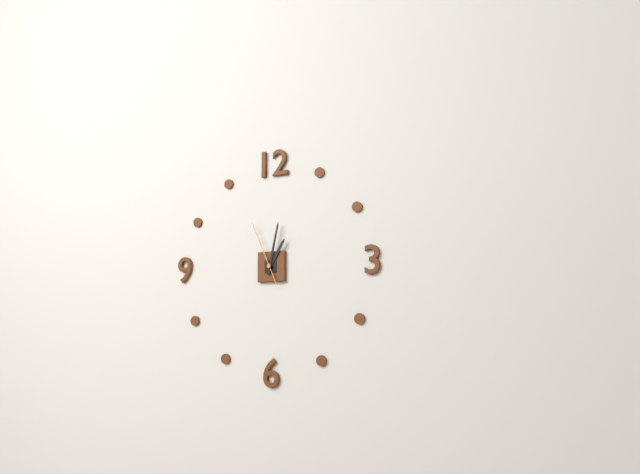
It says 1h02m56s
